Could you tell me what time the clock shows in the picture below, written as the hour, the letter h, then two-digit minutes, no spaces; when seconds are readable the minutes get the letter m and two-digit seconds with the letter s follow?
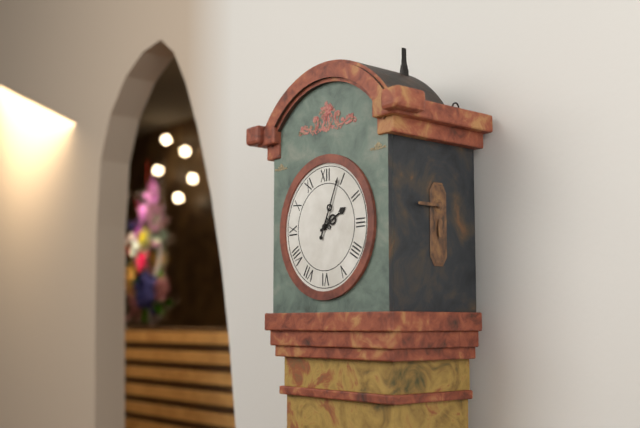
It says 2h04
